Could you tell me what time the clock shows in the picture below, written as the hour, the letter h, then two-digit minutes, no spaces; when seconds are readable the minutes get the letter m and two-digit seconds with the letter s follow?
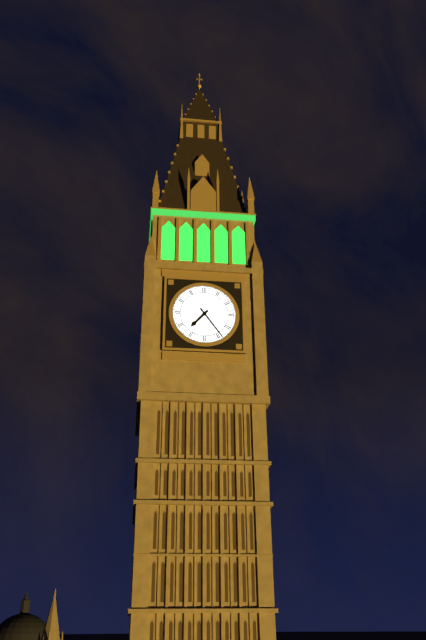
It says 7h24
